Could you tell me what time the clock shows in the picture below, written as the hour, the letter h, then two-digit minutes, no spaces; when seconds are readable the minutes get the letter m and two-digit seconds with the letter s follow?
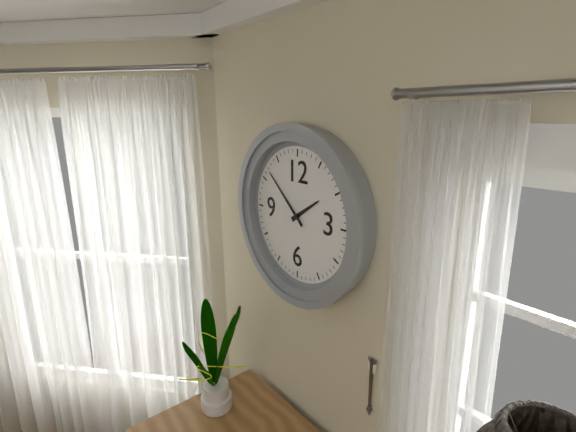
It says 1h52
